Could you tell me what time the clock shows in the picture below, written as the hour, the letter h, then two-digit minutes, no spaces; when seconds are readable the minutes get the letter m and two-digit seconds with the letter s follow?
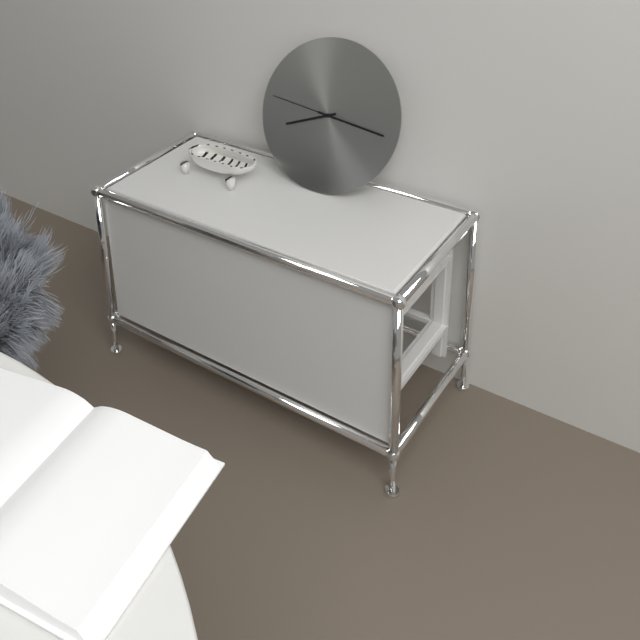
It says 8h16m46s
